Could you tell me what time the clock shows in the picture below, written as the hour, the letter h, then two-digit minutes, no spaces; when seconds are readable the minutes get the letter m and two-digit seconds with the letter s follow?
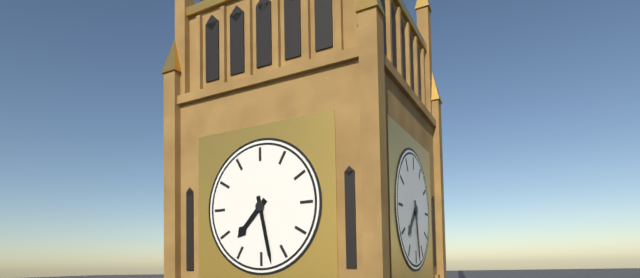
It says 7h28
